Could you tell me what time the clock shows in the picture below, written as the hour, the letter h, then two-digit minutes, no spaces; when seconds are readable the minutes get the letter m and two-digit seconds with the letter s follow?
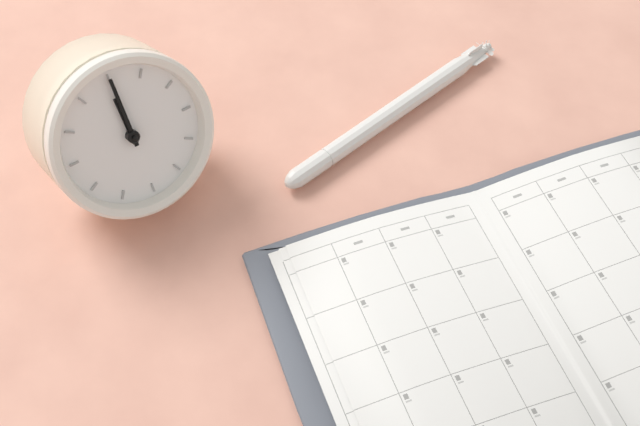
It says 10h55
